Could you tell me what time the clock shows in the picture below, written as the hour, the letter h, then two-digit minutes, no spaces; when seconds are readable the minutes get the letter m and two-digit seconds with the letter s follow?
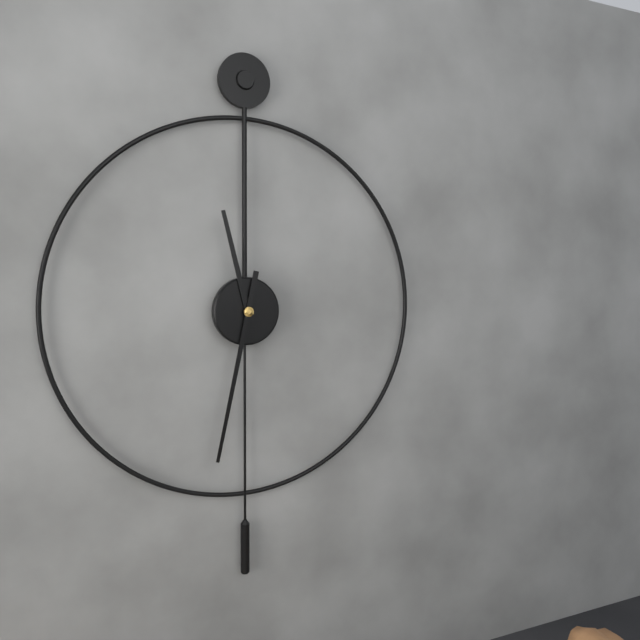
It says 11h32
